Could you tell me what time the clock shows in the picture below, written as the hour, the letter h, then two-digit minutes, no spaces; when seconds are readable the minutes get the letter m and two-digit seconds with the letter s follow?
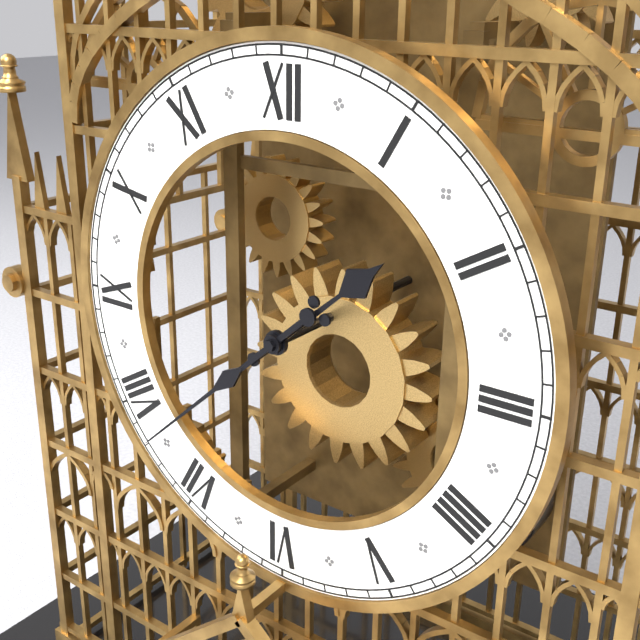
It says 1h38
